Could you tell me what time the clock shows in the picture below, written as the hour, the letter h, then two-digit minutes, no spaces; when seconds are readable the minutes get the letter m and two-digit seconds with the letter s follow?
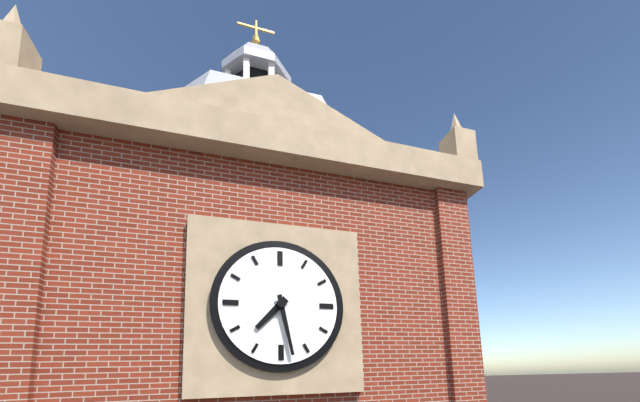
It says 7h28
